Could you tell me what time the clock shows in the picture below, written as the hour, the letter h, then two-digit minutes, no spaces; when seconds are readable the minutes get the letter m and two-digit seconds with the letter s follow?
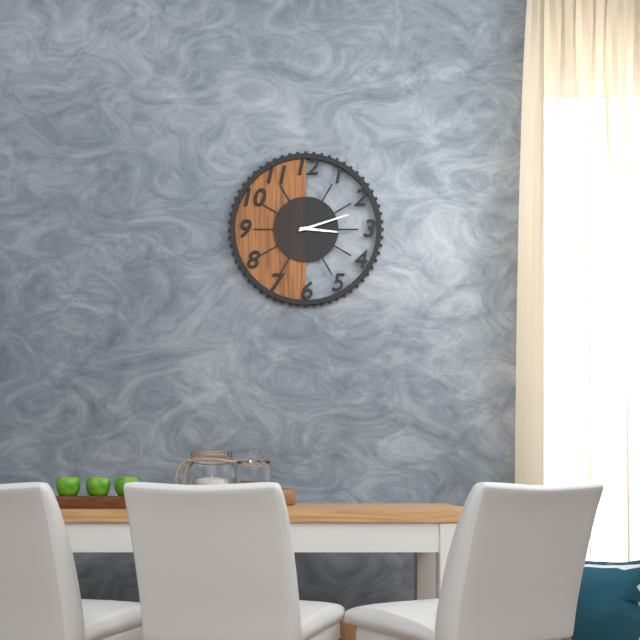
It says 3h12
